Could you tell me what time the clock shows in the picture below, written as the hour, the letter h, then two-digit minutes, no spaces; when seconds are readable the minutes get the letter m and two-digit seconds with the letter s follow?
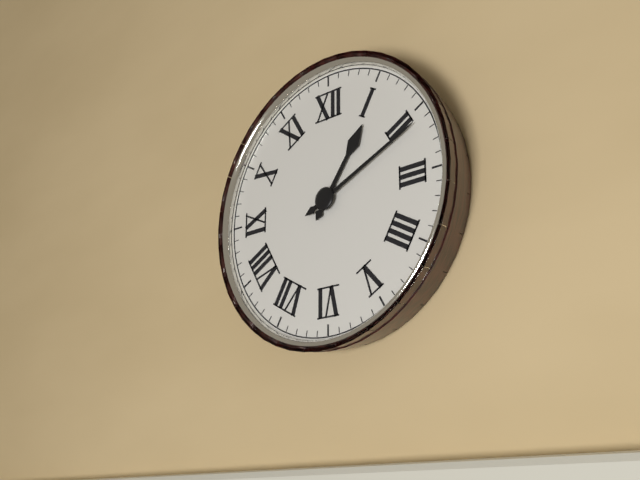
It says 1h11
